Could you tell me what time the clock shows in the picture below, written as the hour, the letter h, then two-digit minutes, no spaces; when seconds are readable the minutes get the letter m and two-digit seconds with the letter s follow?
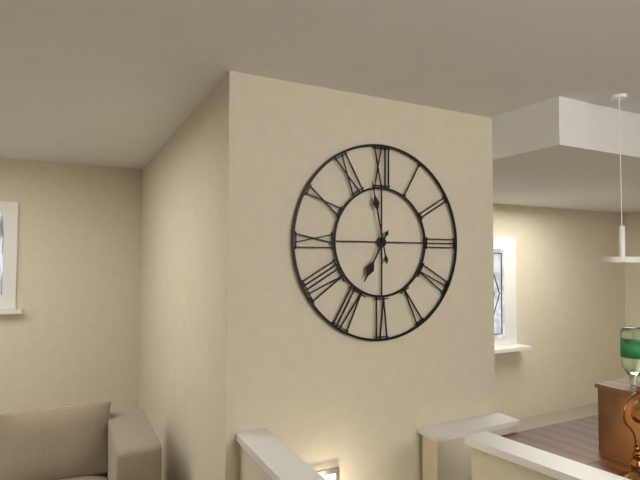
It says 6h58
